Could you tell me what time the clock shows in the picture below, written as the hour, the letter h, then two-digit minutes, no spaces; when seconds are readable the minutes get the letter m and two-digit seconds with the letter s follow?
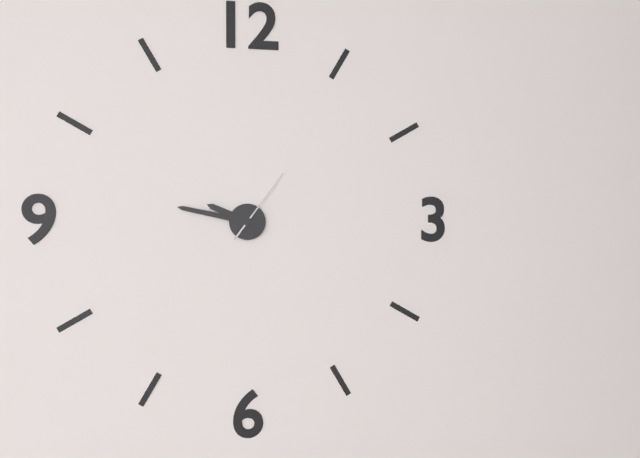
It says 9h47m06s
